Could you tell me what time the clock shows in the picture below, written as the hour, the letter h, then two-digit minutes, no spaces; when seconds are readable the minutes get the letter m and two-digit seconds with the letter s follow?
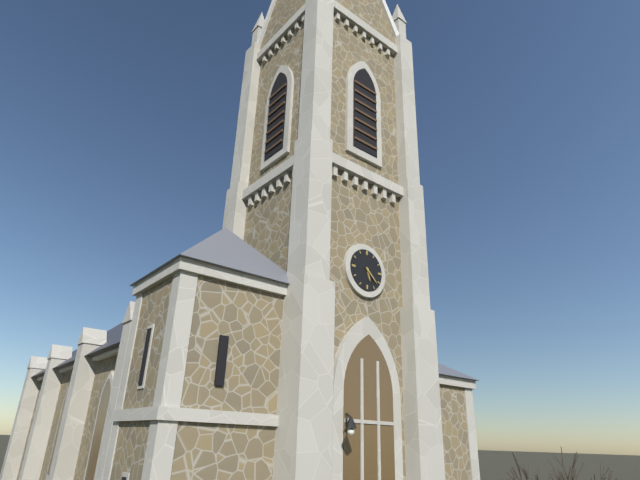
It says 5h22
